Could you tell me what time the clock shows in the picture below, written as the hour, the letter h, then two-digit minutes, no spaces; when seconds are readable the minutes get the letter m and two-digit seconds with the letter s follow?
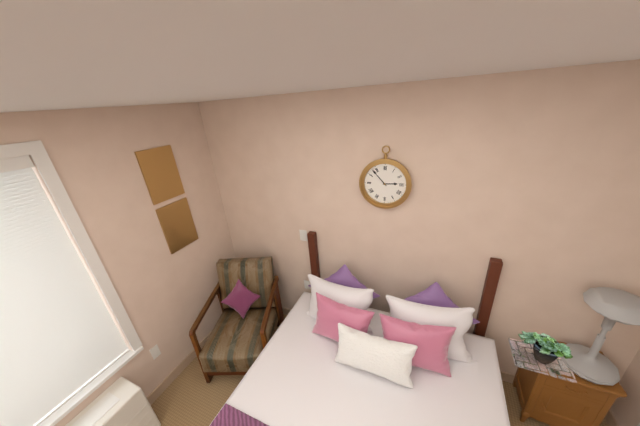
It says 2h53
